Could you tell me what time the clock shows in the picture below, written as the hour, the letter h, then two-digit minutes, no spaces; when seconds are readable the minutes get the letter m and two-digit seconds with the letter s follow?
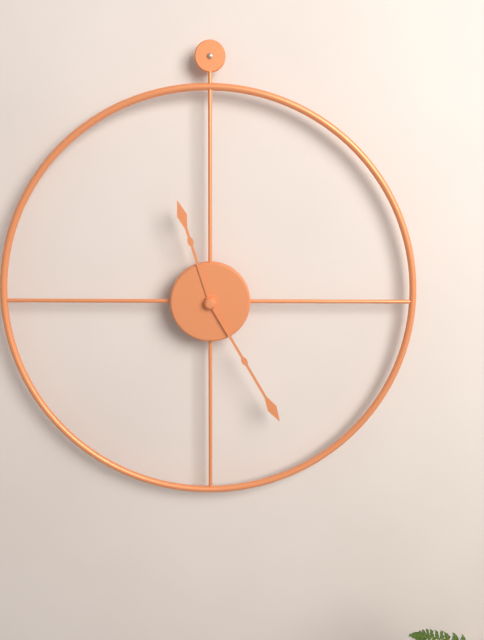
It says 11h25
